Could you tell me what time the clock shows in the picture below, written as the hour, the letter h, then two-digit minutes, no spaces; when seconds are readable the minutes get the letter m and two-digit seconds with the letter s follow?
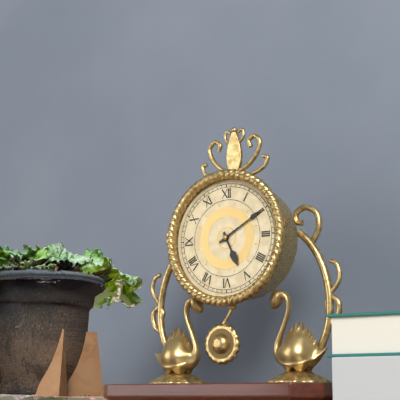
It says 5h10
